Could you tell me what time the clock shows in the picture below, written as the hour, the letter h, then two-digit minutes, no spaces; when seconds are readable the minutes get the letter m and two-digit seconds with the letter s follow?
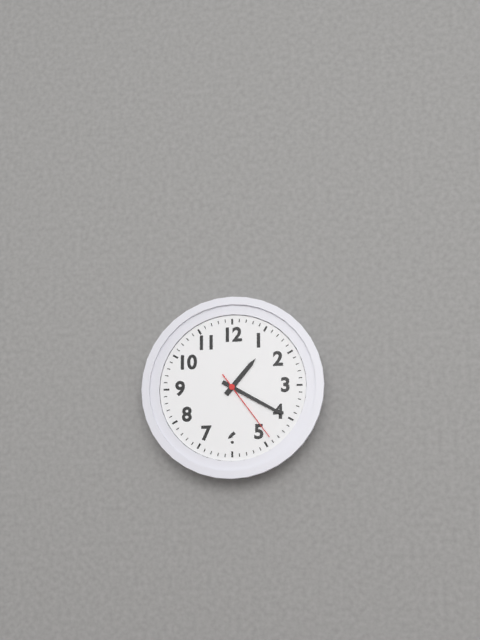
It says 1h20m24s
